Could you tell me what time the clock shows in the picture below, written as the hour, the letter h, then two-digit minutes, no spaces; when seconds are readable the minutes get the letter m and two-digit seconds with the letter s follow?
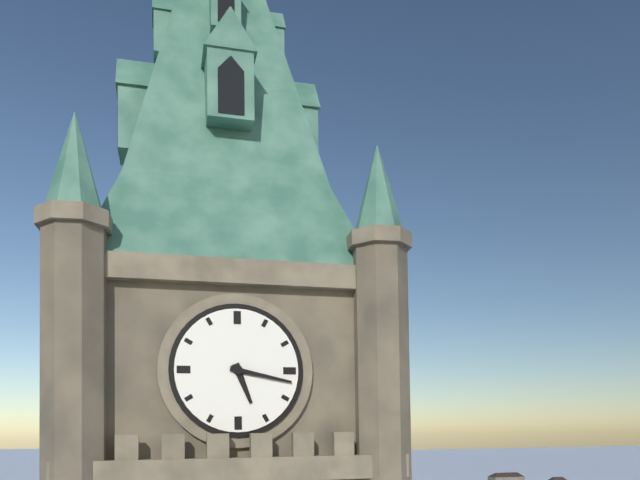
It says 5h17
